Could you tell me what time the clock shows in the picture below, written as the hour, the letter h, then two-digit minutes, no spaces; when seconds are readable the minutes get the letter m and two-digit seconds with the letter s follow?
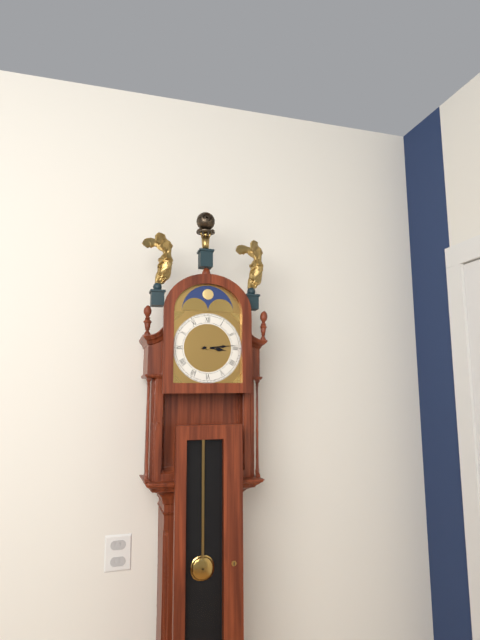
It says 3h14
